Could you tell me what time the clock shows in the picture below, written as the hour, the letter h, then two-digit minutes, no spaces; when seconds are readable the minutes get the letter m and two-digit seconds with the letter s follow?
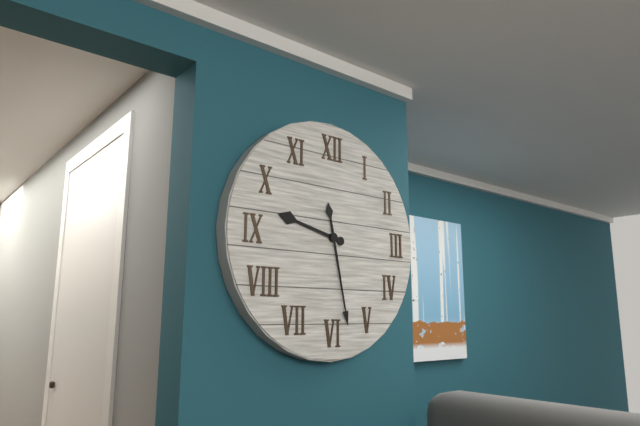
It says 9h28
